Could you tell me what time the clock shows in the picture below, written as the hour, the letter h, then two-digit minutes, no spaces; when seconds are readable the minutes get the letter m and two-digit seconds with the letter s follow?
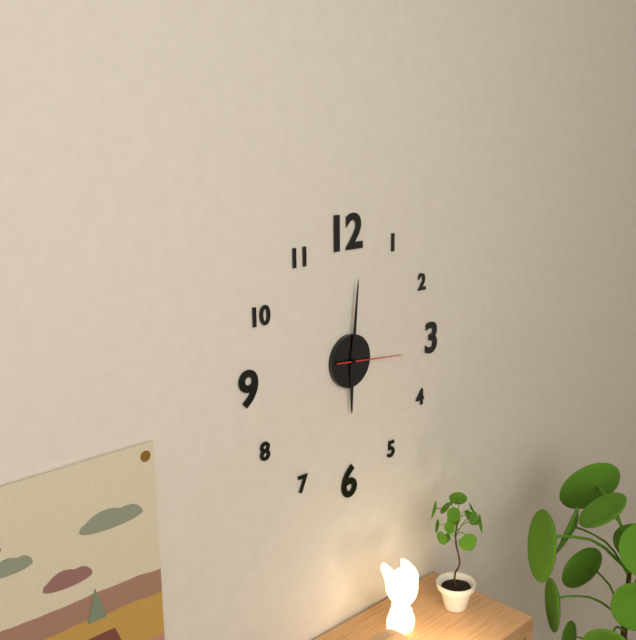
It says 6h01m16s
